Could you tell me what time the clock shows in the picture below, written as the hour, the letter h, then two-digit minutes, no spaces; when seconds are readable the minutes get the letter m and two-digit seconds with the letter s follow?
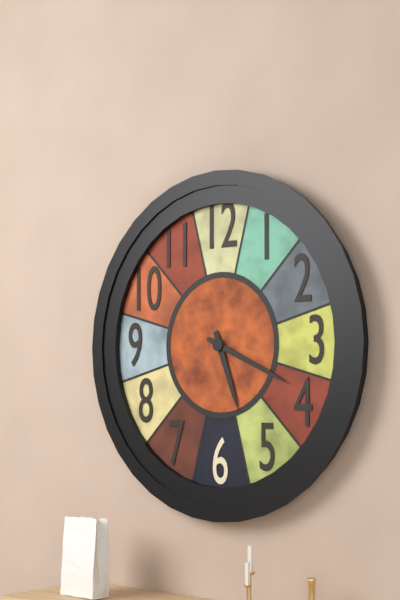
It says 5h19
